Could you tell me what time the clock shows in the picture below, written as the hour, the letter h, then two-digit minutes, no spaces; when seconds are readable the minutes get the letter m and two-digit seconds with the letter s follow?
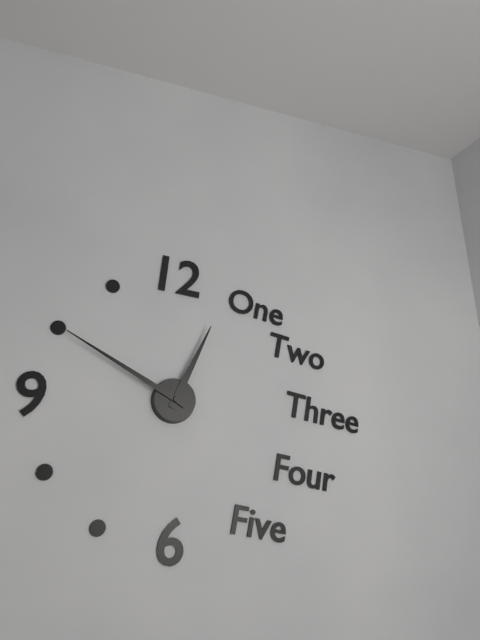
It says 12h50
